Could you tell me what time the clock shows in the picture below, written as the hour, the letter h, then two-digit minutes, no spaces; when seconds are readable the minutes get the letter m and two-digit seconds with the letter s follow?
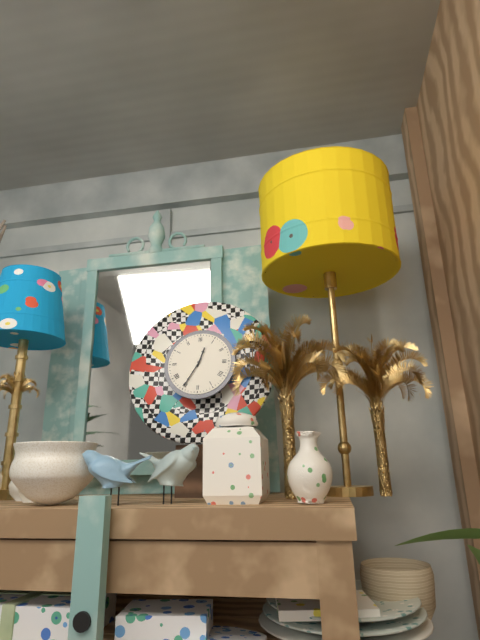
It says 12h35
